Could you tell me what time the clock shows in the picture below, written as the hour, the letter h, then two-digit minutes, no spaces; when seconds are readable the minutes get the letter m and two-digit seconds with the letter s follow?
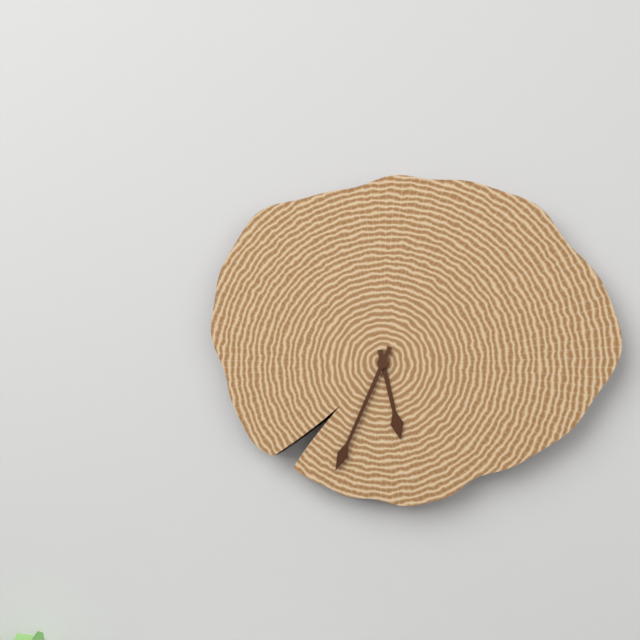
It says 5h34
